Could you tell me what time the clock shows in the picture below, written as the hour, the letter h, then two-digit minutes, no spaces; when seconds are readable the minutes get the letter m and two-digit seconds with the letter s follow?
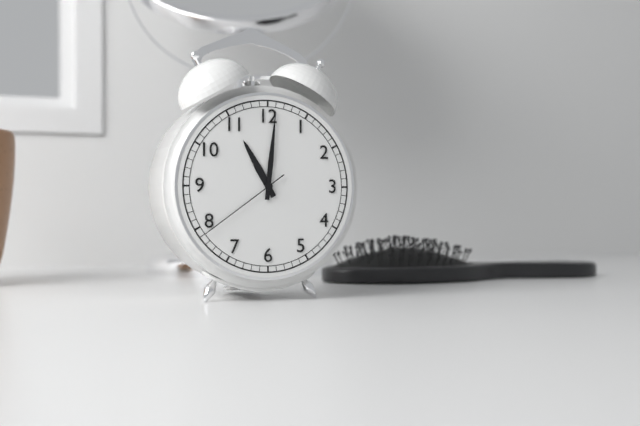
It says 11h01m39s
